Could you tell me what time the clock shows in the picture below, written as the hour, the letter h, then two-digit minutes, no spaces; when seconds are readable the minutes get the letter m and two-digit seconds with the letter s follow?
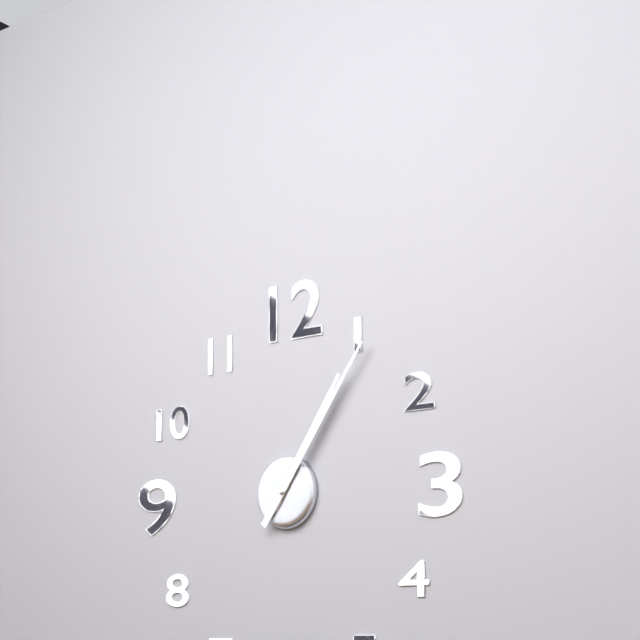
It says 1h06
